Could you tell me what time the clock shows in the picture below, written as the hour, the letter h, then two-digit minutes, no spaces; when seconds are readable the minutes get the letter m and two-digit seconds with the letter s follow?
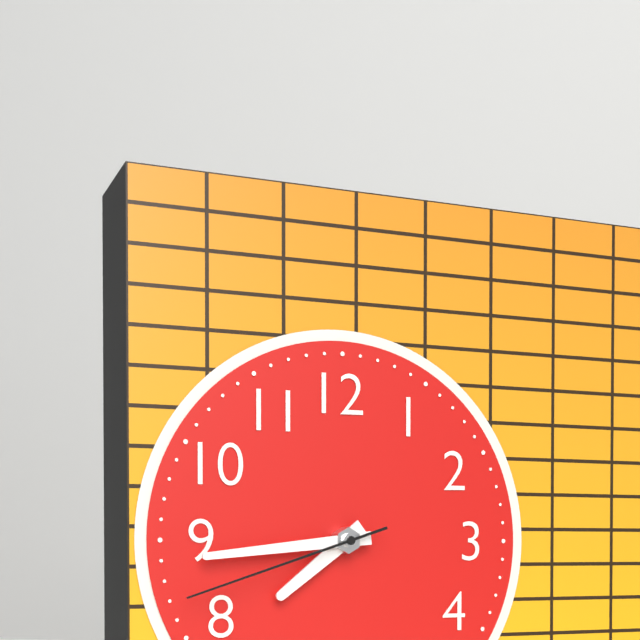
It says 7h44m42s
